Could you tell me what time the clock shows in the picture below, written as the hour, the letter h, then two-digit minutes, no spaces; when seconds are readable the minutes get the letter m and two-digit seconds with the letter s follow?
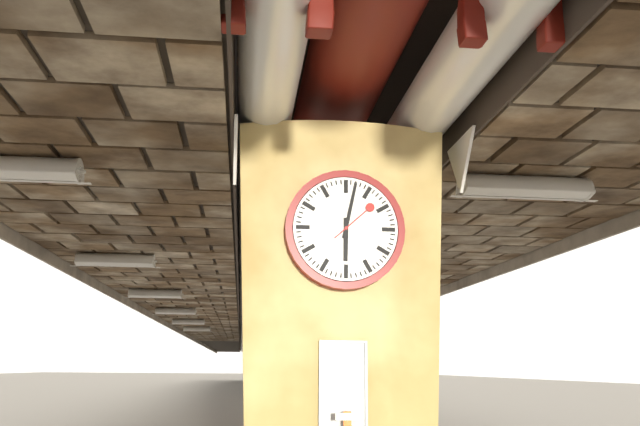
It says 6h02
